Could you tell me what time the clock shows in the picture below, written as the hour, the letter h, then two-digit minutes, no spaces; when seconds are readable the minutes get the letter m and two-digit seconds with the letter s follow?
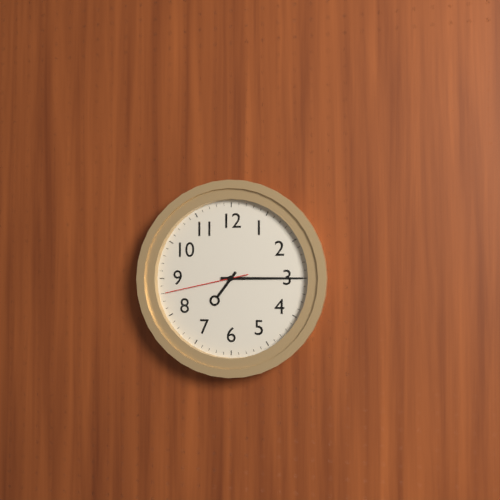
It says 7h15m43s
